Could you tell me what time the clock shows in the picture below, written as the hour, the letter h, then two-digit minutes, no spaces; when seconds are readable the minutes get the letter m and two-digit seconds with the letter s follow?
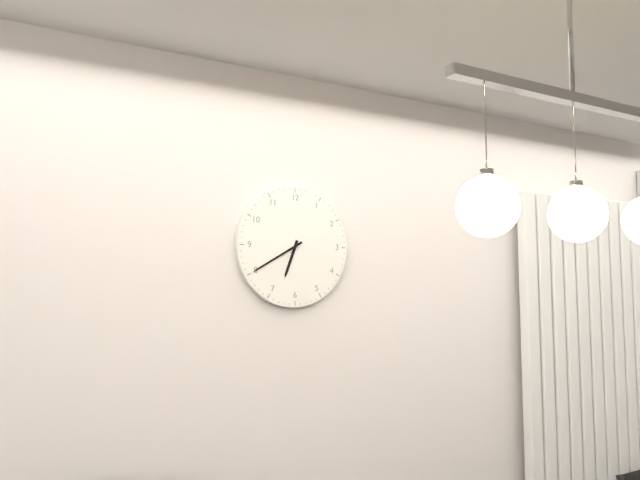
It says 6h40
